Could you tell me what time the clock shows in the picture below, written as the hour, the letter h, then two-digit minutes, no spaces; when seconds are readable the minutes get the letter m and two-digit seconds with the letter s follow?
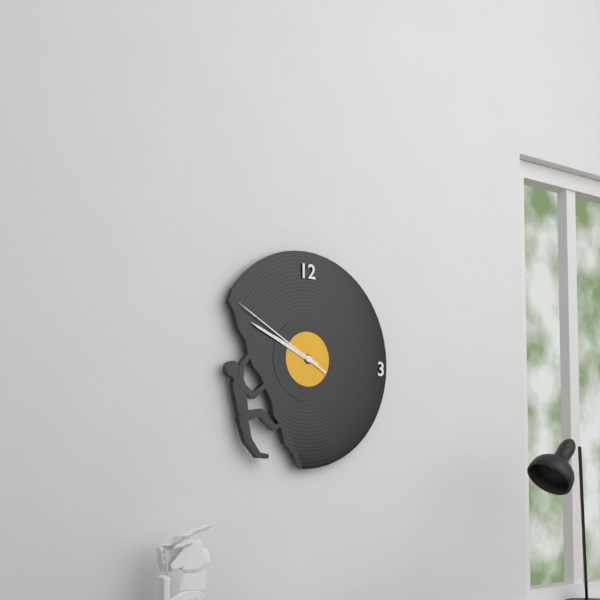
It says 9h49m50s
